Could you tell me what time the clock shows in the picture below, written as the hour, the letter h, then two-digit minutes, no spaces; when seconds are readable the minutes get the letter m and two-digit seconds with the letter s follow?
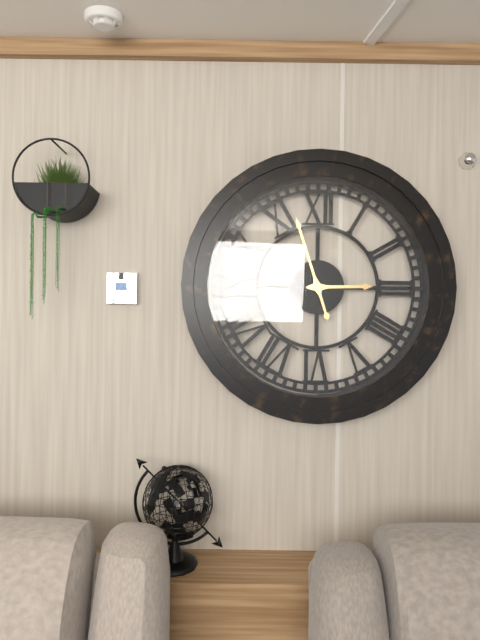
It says 2h57
